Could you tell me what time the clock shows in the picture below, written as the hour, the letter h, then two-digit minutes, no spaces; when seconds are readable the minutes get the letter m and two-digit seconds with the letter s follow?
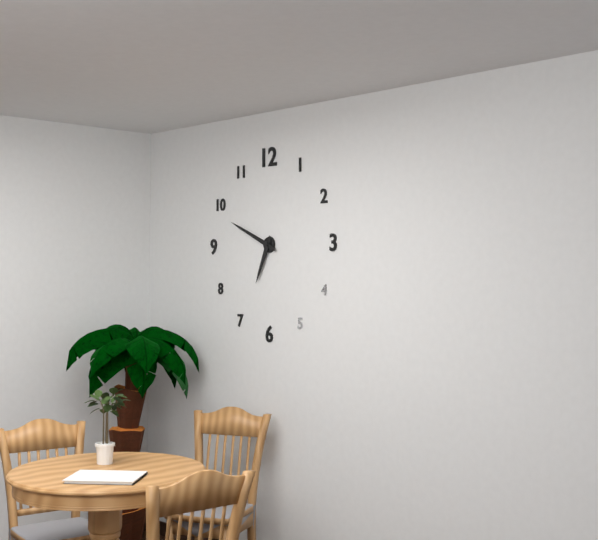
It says 6h49
